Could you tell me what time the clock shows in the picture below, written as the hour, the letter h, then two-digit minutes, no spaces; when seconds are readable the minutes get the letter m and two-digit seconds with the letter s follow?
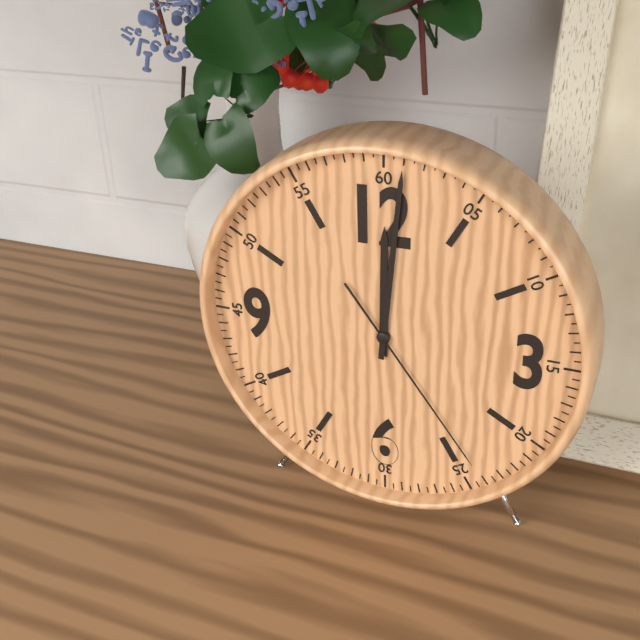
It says 12h01m24s
